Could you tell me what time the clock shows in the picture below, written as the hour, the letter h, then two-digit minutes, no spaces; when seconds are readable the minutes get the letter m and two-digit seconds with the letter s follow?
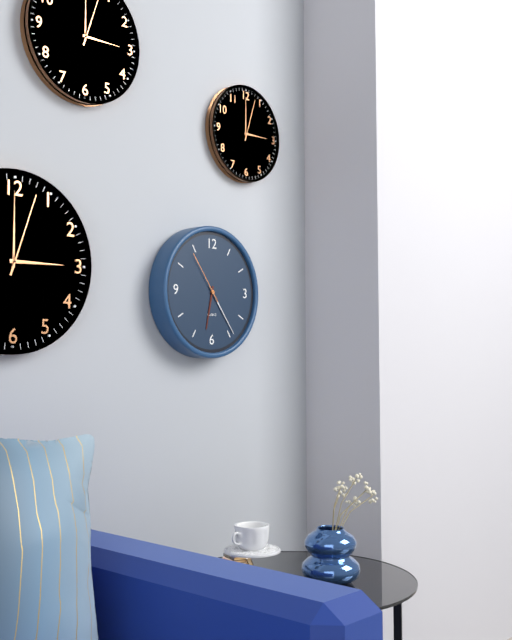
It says 6h24m54s
